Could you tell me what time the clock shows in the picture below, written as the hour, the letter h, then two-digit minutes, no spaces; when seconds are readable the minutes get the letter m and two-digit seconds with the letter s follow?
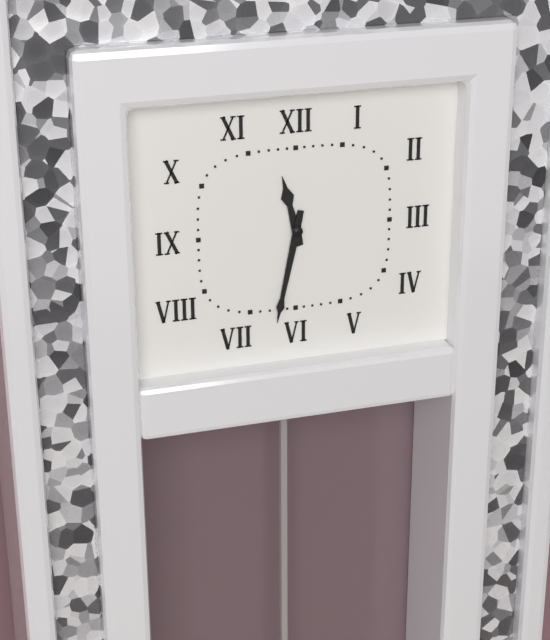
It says 11h32
